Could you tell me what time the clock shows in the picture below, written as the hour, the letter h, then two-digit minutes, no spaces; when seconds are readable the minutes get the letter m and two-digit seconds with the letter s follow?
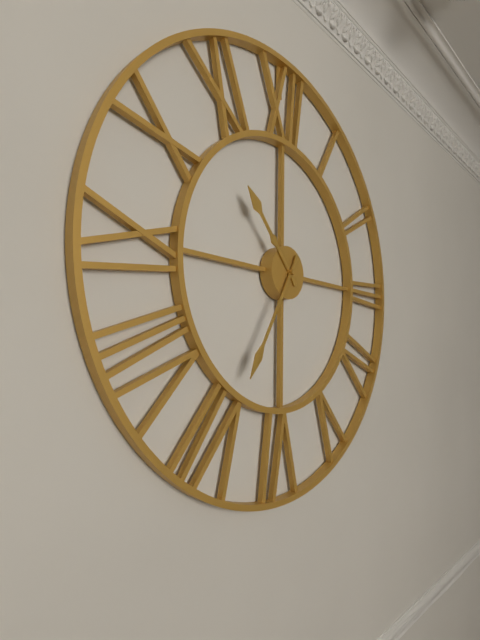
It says 10h35
